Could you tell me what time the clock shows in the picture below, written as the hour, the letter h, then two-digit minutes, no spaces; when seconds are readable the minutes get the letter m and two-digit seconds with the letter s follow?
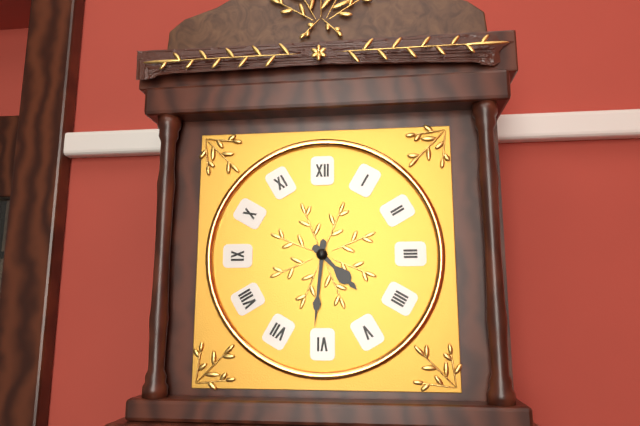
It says 4h31
